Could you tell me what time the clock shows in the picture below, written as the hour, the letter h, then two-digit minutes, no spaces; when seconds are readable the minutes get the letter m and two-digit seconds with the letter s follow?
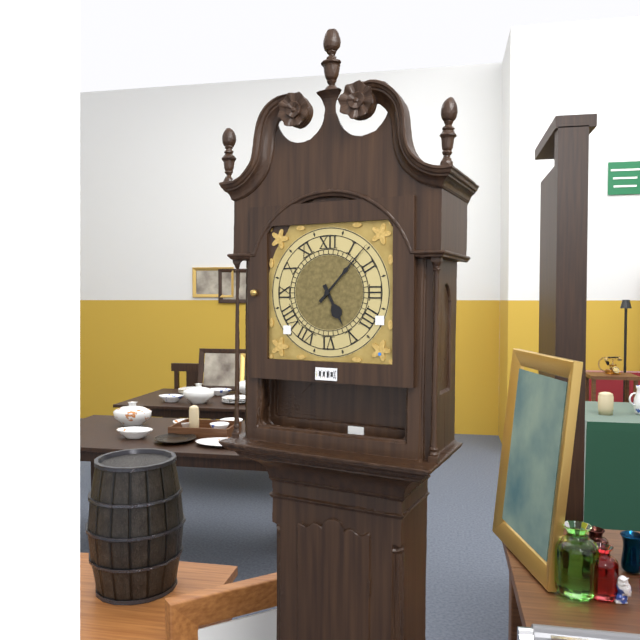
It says 5h07
